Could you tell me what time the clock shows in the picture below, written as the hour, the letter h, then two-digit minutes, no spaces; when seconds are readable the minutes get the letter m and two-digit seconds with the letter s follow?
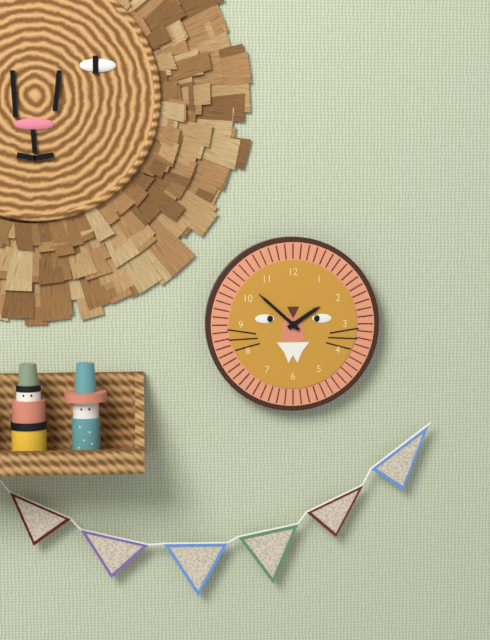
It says 1h52
